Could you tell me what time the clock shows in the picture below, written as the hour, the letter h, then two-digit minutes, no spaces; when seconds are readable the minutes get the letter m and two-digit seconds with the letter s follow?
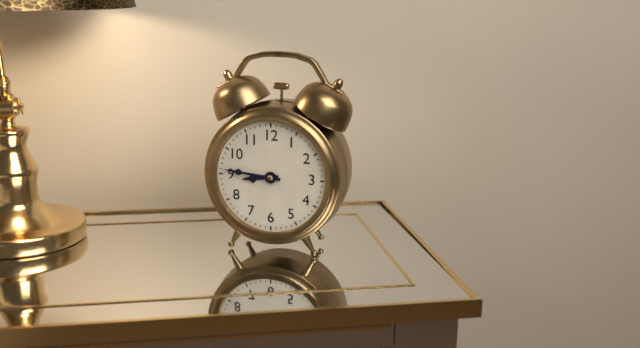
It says 8h46
